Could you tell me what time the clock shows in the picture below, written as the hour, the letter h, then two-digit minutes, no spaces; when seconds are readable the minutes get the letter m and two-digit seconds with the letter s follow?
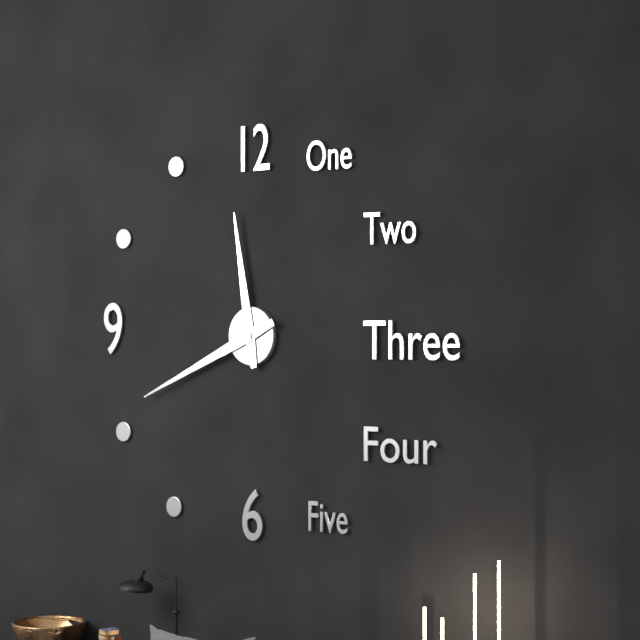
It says 11h41
